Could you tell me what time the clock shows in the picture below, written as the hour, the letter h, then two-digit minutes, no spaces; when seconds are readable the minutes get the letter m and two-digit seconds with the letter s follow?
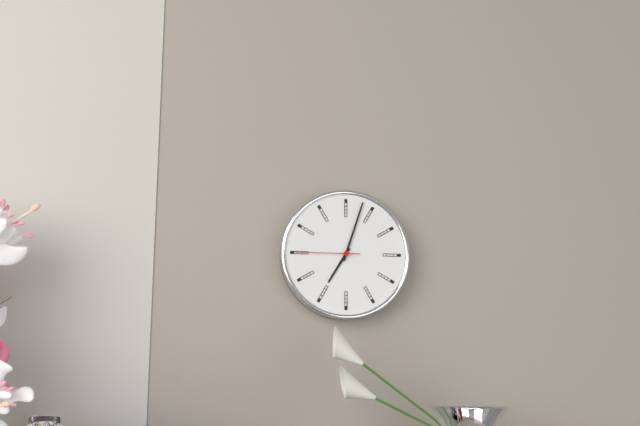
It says 7h03m45s
